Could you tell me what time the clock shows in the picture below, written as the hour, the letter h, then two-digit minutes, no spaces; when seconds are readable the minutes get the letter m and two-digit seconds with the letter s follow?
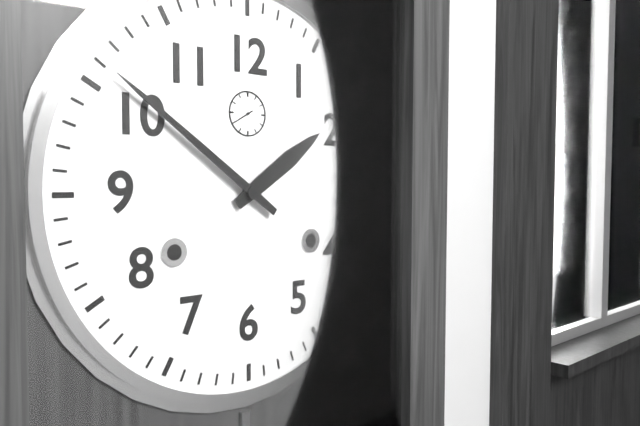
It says 1h51
